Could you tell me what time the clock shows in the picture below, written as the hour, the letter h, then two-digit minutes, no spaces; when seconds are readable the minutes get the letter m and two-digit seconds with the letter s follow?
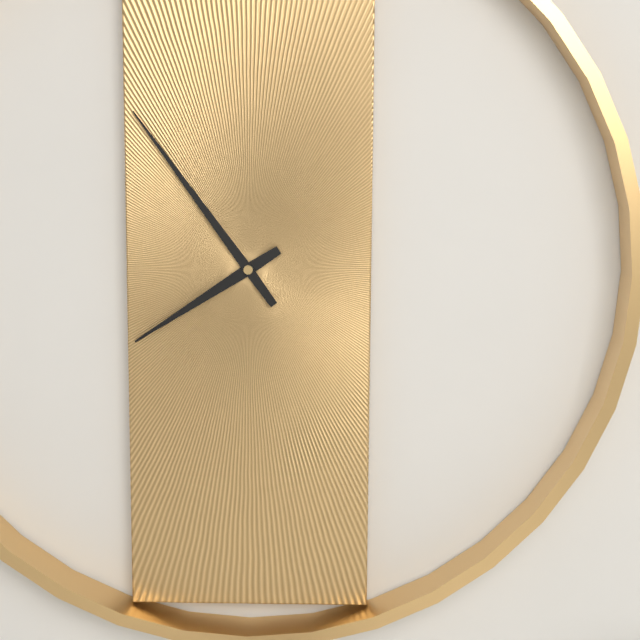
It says 7h54
